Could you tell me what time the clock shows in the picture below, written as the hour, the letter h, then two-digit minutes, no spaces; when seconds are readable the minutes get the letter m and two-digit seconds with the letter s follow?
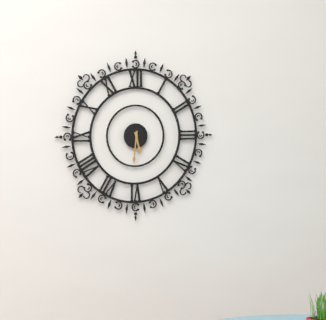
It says 5h31
